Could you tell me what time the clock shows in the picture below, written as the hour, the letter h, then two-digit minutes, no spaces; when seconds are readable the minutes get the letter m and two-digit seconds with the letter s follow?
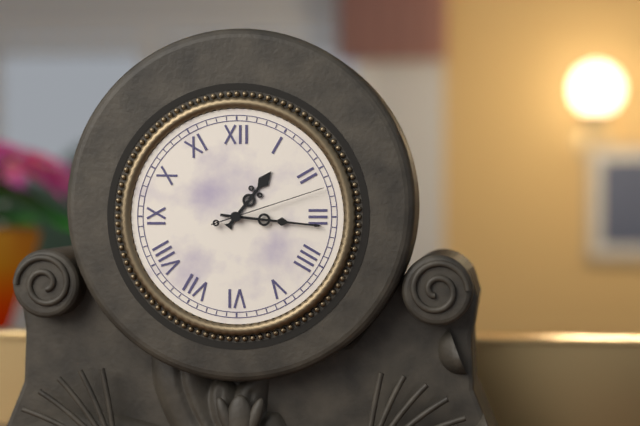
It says 1h16m12s
